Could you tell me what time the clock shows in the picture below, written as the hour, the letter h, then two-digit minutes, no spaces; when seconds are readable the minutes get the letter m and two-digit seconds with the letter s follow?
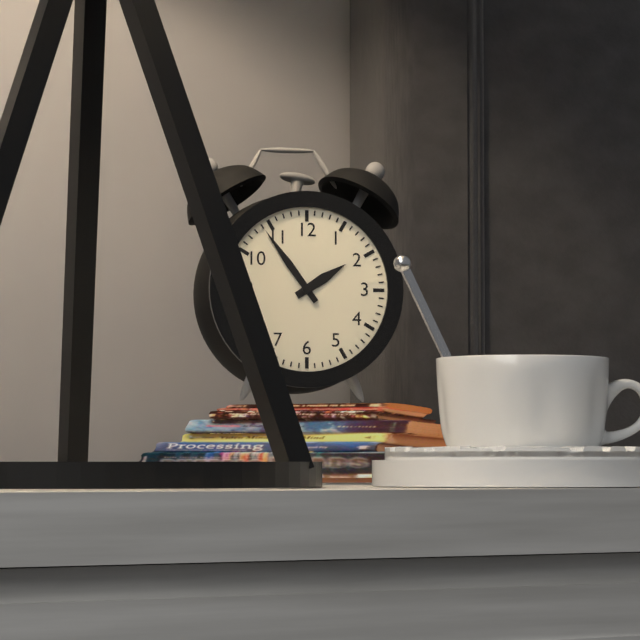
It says 1h54
